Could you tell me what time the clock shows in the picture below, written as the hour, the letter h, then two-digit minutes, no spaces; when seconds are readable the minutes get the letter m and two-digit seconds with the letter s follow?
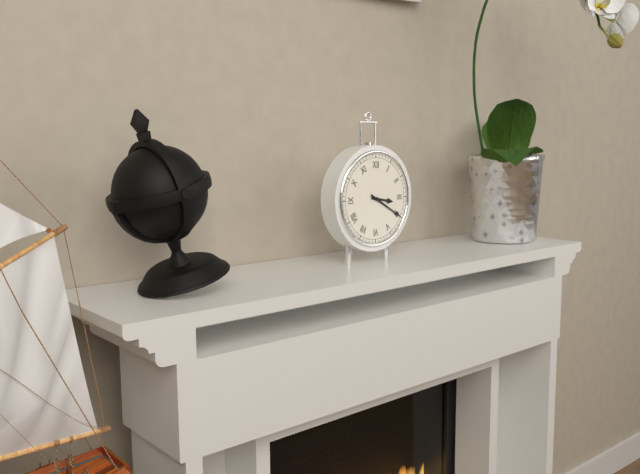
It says 3h20
